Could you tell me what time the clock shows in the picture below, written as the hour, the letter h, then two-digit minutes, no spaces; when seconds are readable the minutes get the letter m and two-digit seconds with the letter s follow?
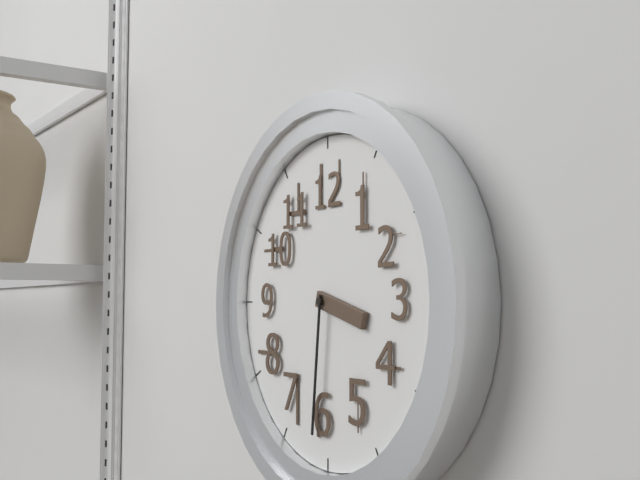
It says 3h31
